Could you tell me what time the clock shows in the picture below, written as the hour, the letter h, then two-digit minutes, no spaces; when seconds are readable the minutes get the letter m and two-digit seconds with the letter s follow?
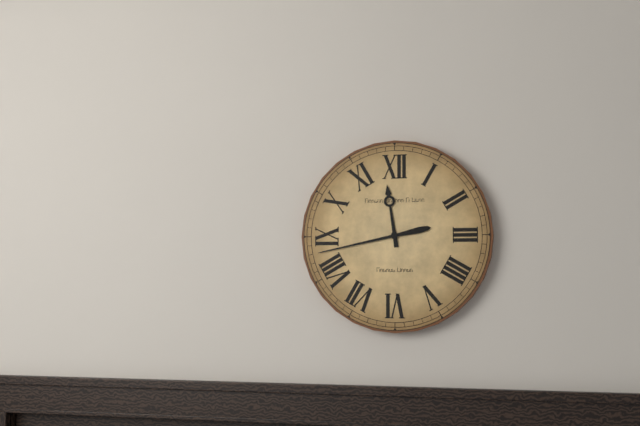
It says 11h43
